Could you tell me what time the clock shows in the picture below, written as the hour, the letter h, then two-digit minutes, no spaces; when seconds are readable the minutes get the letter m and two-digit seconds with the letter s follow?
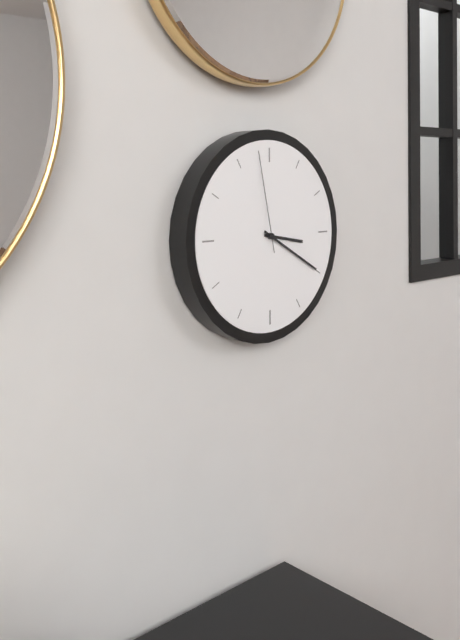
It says 3h20m58s
